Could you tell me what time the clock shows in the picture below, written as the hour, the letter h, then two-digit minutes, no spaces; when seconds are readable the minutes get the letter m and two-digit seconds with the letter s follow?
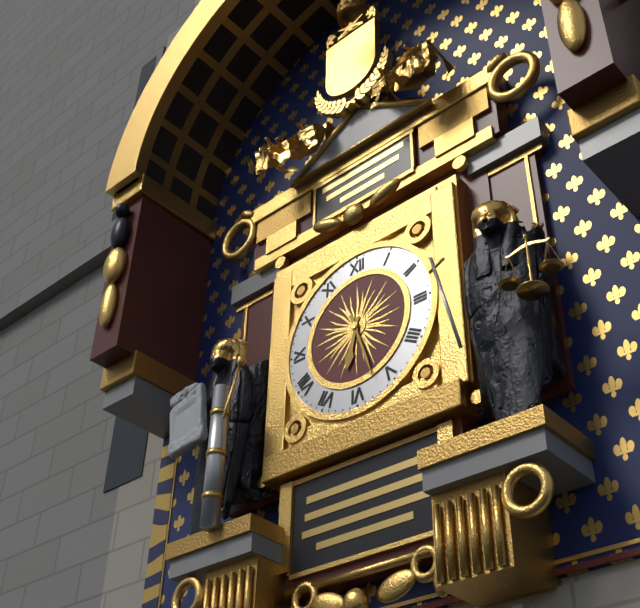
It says 6h27
